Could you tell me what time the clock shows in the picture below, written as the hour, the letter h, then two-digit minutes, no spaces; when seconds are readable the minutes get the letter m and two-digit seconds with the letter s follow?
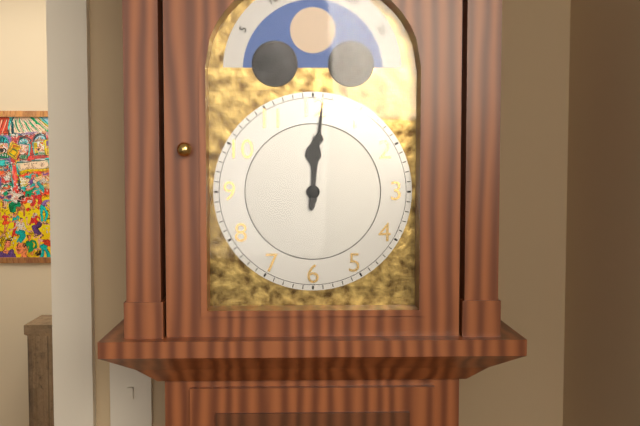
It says 12h01
